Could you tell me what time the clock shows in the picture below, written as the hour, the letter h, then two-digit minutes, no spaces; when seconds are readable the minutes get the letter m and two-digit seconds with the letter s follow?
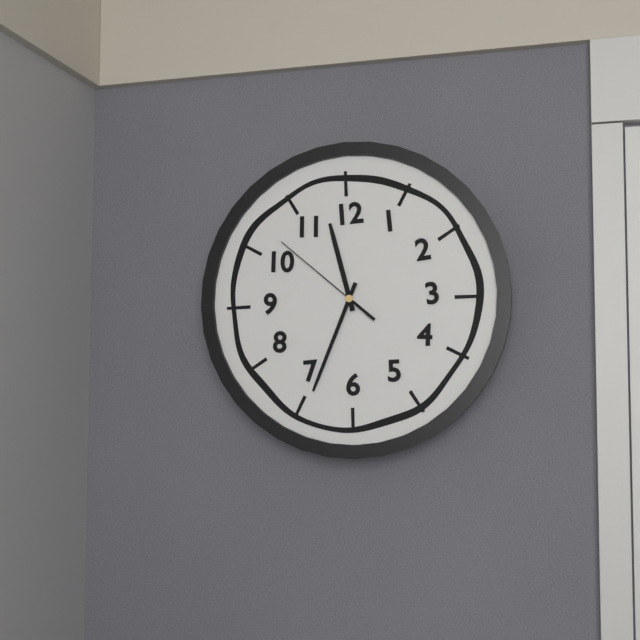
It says 11h34m52s
